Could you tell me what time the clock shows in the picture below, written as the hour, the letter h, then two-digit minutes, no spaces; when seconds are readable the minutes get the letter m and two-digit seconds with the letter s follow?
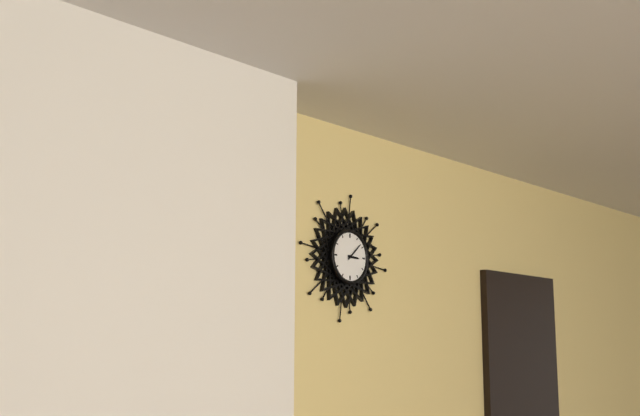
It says 3h08
